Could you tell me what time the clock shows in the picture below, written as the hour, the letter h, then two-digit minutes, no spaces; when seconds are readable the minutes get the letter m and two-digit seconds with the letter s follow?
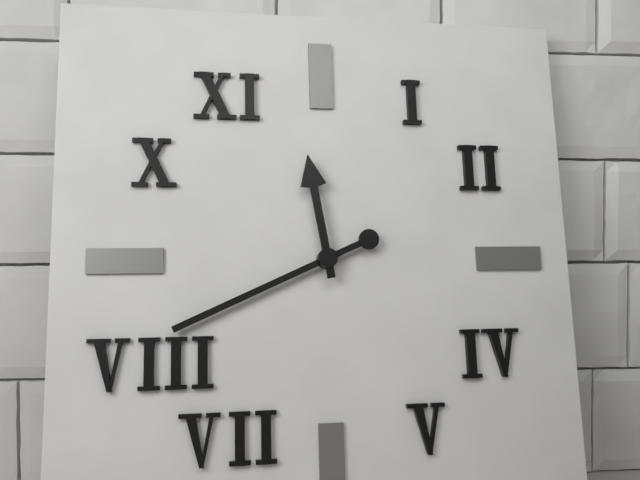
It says 11h41
